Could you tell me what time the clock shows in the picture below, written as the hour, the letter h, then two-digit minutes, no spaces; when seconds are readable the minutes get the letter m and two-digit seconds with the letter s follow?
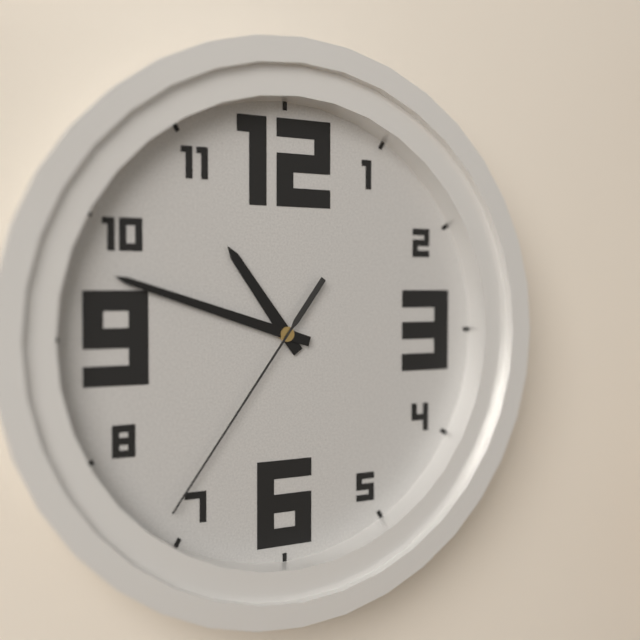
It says 10h48m36s
